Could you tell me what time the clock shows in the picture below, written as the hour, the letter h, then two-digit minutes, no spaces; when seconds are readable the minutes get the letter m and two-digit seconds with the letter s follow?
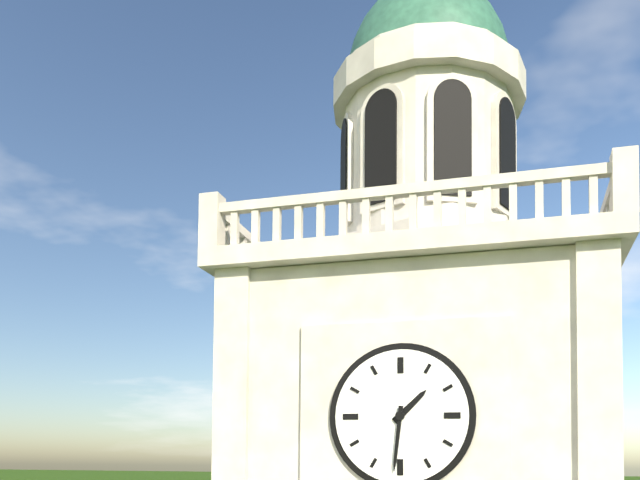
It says 1h31
